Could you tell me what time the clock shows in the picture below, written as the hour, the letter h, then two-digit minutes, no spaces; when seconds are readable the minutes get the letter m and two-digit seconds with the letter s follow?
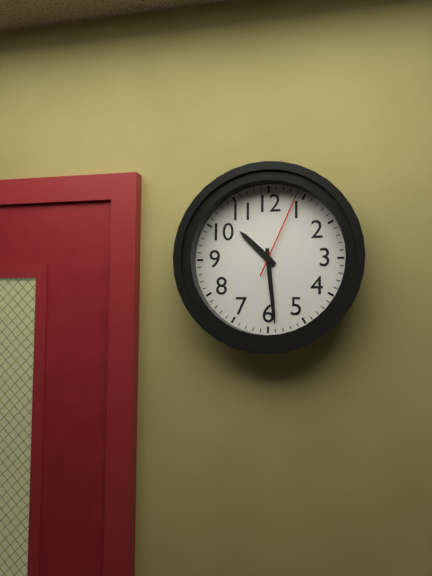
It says 10h29m04s
